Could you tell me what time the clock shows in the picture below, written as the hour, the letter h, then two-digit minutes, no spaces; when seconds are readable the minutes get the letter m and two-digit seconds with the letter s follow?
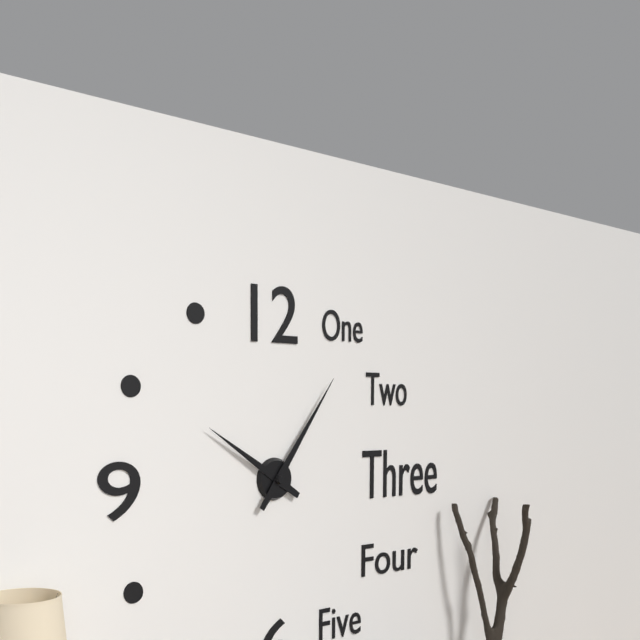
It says 10h06
